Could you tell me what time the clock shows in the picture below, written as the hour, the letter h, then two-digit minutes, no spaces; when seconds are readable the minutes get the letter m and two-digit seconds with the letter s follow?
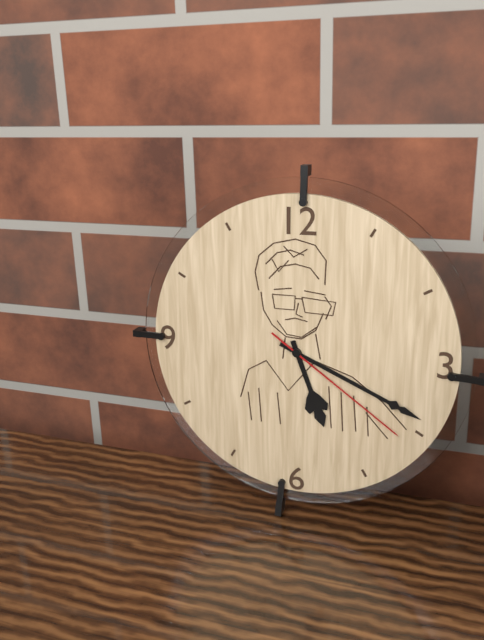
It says 5h19m21s
